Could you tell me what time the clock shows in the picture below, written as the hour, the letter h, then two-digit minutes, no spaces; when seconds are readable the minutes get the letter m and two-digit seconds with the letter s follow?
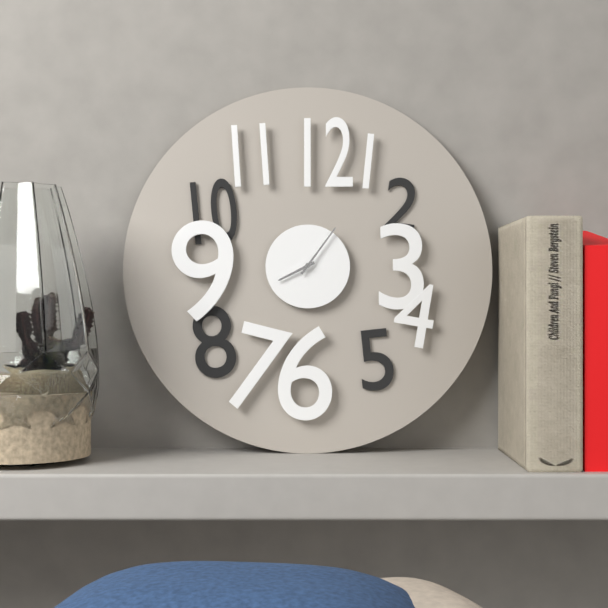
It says 8h06
